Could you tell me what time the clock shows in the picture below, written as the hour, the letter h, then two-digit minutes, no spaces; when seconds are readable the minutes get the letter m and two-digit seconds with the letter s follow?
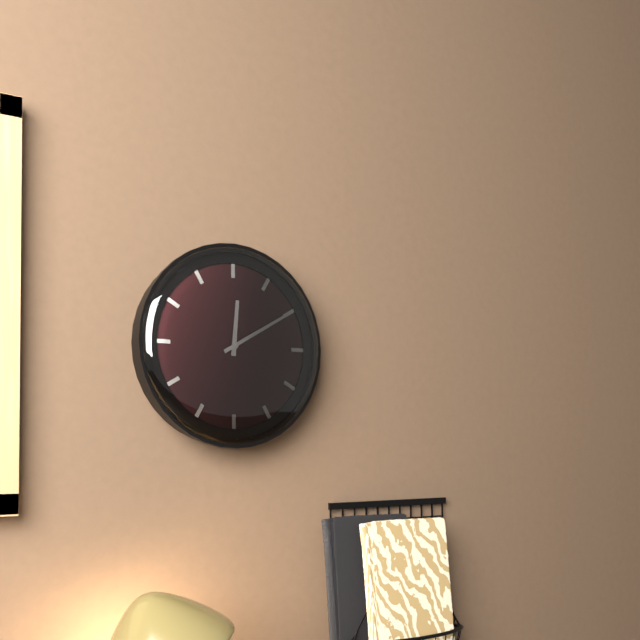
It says 12h10
